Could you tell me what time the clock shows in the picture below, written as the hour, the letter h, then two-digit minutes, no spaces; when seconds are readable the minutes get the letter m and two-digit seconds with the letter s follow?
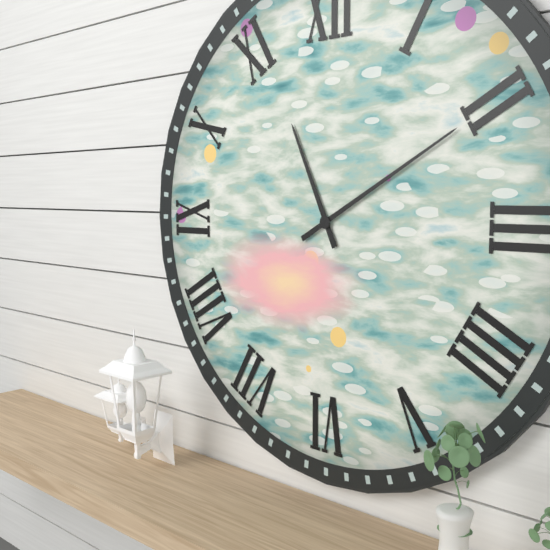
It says 11h10
